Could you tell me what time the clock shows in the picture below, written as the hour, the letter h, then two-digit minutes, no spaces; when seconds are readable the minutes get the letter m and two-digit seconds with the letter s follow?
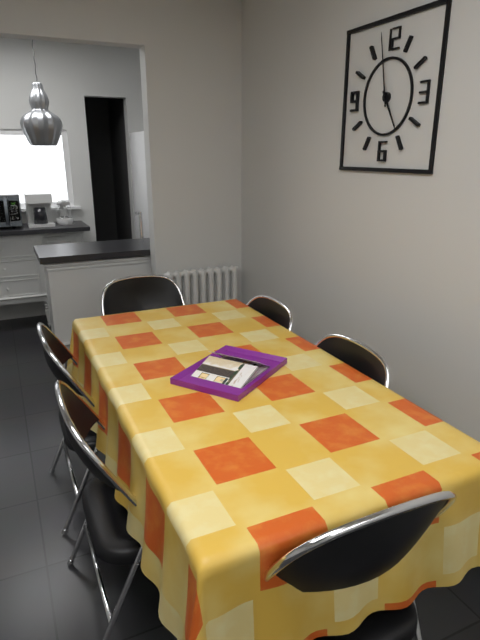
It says 4h58
